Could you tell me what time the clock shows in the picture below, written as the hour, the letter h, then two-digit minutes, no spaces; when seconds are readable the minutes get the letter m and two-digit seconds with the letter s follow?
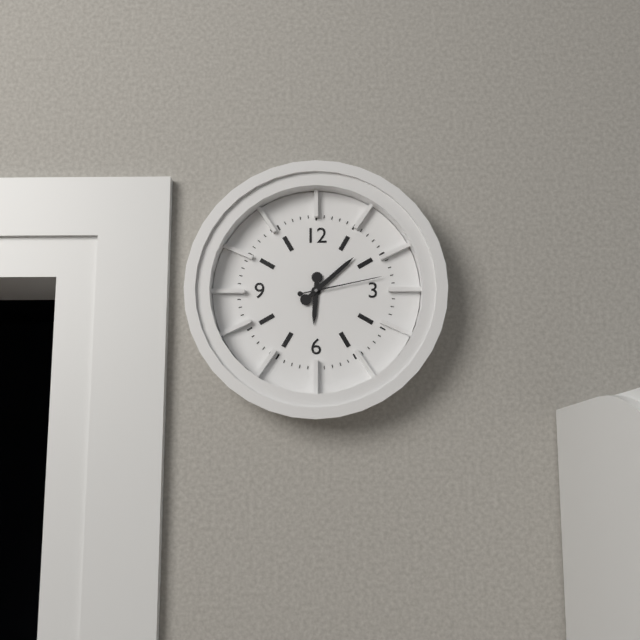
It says 6h08m13s
